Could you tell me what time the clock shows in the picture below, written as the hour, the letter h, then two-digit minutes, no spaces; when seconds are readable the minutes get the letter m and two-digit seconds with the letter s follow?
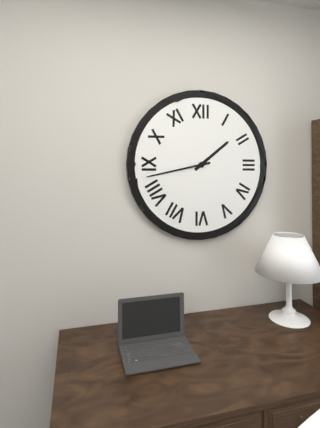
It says 1h43
